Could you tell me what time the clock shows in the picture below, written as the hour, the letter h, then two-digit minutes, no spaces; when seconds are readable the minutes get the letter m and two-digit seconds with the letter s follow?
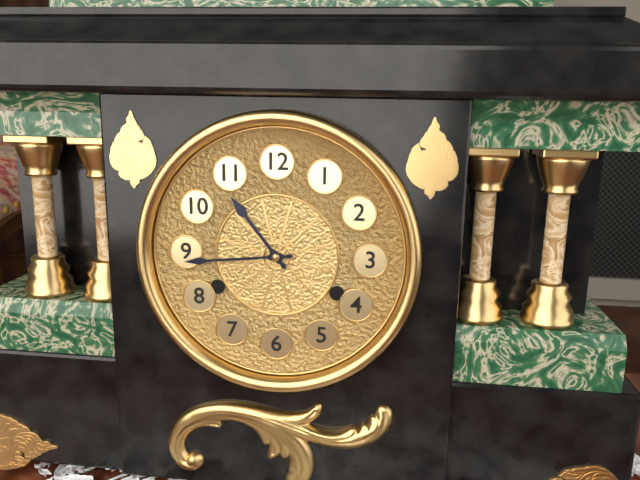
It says 10h44
